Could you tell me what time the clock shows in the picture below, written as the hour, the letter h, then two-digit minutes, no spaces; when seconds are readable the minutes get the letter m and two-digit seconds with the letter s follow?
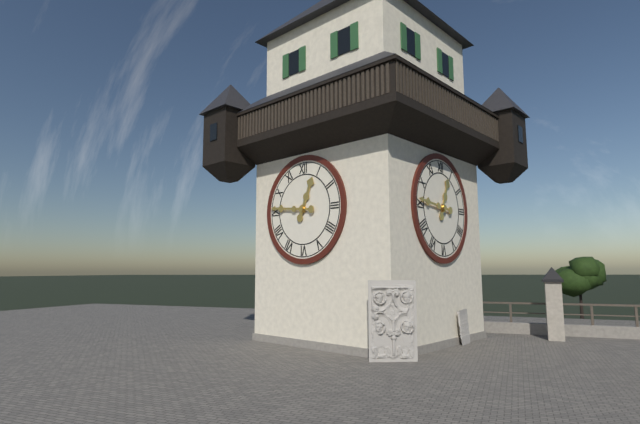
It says 12h46
